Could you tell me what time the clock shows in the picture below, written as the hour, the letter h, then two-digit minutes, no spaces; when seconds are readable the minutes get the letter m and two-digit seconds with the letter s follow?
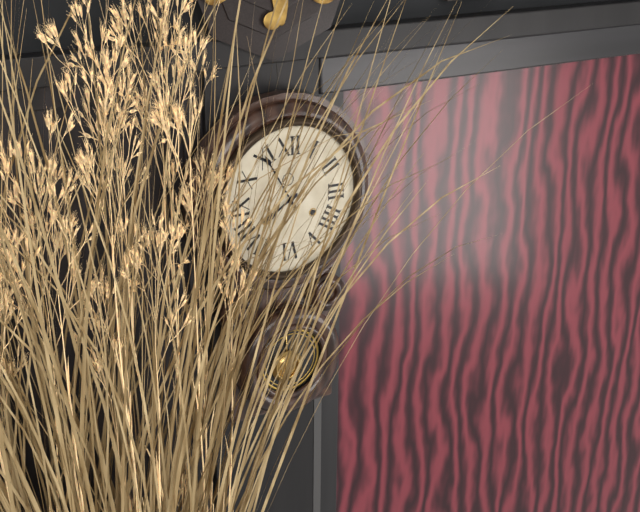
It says 7h55
